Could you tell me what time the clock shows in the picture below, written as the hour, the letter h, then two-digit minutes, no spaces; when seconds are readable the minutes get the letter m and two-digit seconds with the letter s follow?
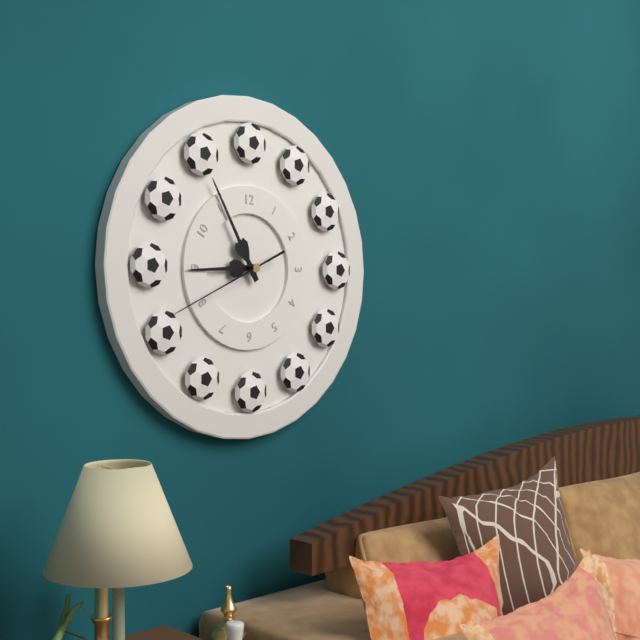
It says 8h55m41s
